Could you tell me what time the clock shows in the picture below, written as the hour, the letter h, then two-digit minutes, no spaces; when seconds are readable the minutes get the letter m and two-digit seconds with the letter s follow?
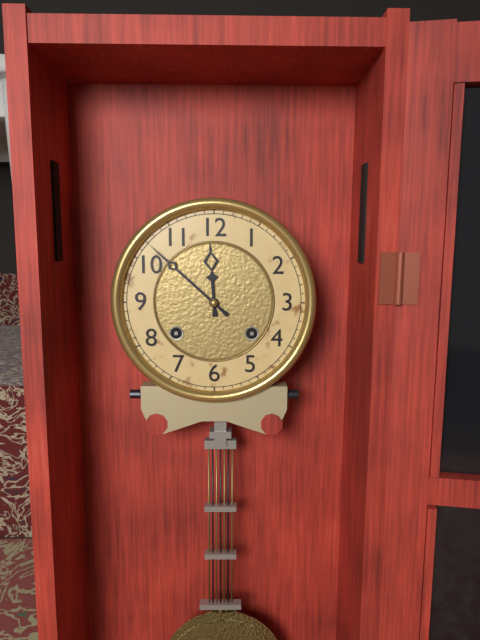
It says 11h52
